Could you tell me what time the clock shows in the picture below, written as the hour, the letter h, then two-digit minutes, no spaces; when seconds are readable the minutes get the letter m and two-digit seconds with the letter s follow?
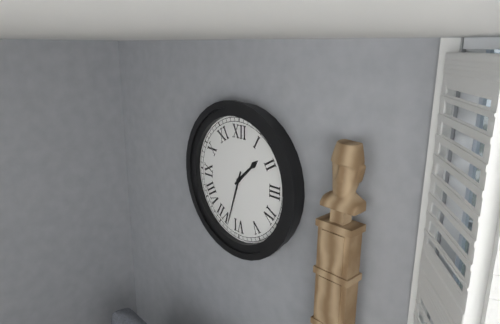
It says 1h33
